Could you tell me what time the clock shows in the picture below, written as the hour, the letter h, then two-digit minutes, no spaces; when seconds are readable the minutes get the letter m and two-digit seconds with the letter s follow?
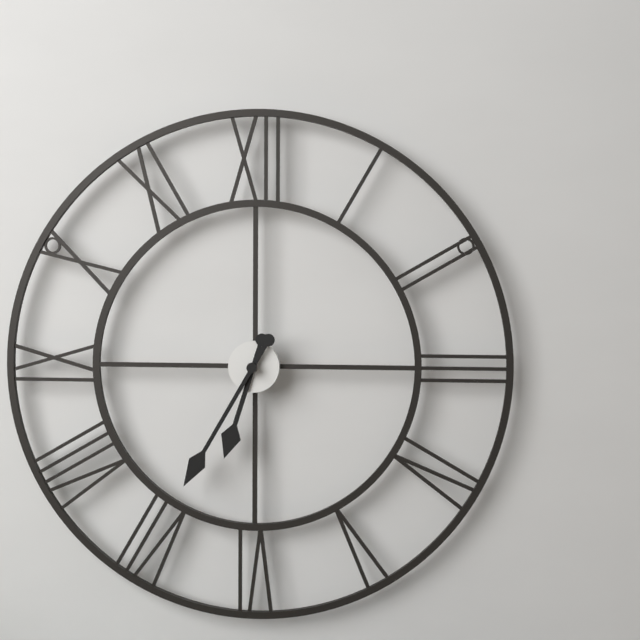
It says 6h35
